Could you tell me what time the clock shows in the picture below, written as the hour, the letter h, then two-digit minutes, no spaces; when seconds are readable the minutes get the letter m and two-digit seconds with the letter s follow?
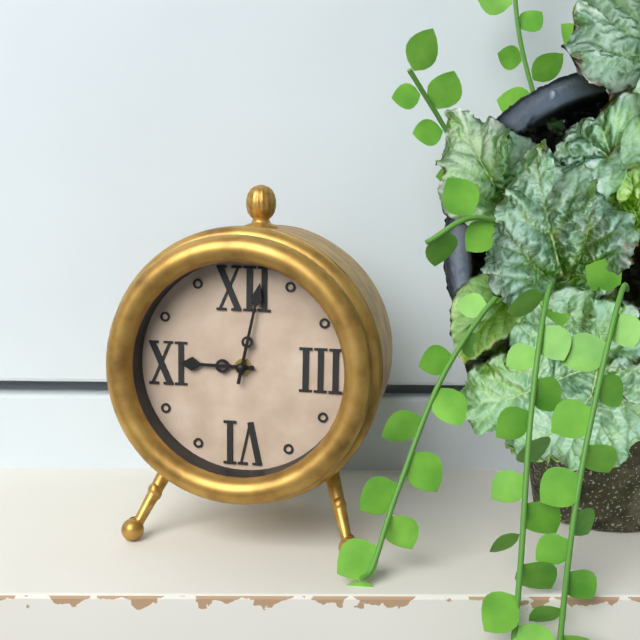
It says 9h02
